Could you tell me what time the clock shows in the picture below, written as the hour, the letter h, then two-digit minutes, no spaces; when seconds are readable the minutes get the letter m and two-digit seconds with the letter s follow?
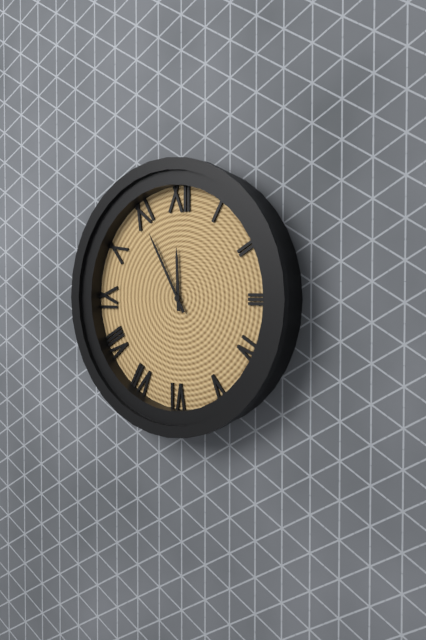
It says 11h55
